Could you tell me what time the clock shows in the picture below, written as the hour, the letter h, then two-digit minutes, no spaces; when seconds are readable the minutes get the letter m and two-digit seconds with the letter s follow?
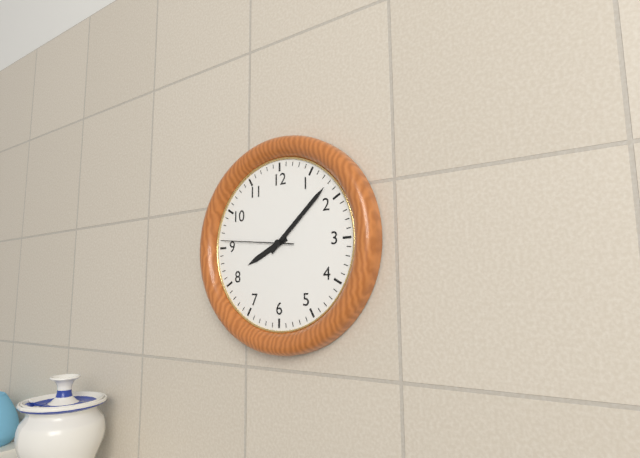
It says 8h08m46s
